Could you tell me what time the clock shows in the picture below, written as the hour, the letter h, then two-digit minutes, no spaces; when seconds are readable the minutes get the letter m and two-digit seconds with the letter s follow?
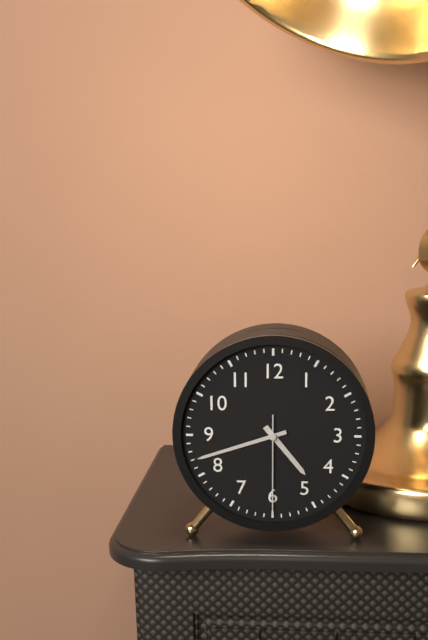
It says 4h42m30s
